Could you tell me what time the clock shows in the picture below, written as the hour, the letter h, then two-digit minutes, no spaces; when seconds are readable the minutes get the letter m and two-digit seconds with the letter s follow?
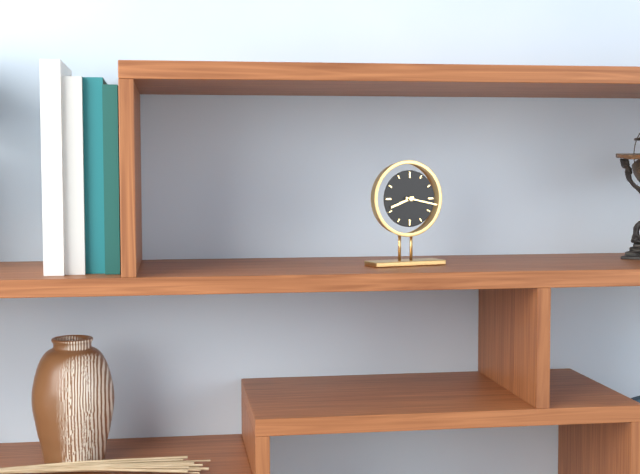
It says 8h17
